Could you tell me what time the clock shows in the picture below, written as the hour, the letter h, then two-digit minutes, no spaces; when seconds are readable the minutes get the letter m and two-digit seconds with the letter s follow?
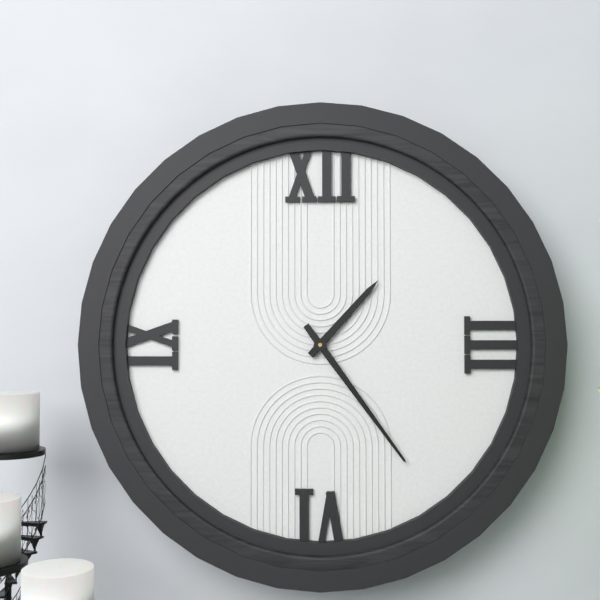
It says 1h24
